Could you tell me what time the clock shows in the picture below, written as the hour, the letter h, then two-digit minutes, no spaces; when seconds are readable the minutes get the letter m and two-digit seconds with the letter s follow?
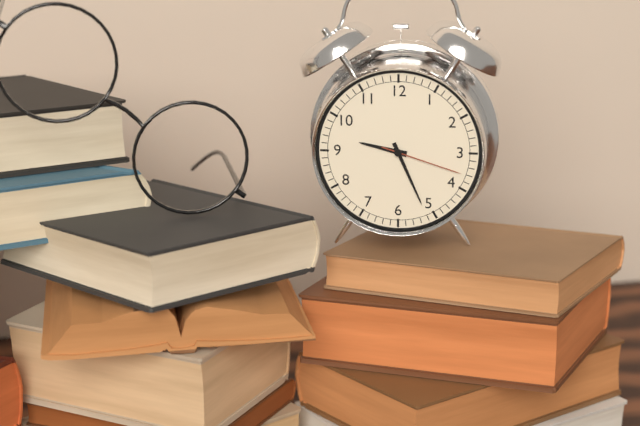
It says 9h26m18s
